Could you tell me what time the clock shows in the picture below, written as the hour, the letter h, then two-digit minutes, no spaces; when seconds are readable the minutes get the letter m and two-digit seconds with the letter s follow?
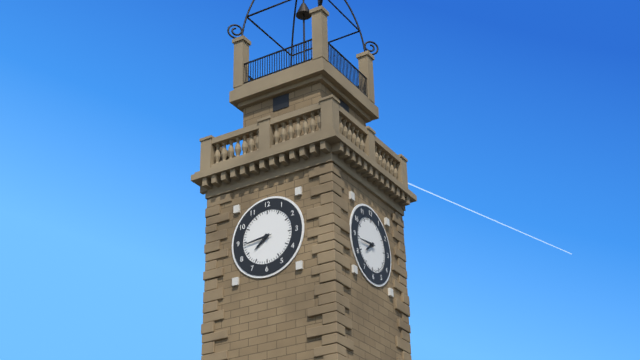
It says 7h44
